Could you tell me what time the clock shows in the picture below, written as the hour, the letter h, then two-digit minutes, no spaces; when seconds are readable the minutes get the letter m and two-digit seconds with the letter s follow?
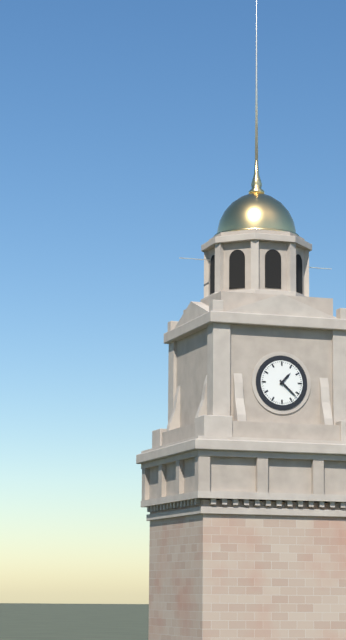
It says 1h22
